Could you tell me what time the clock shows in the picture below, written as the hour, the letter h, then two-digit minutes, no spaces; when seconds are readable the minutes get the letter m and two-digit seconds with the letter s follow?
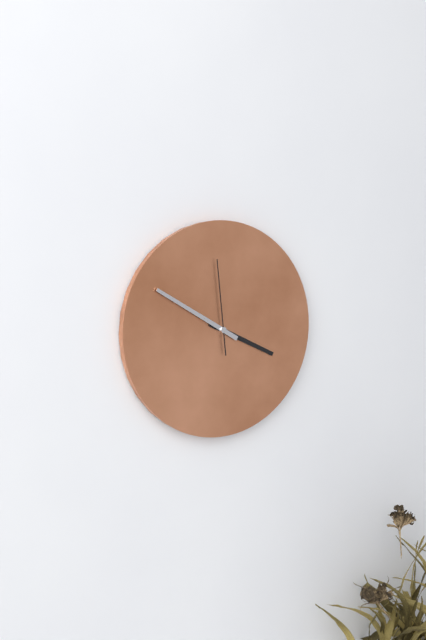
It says 3h50m59s
